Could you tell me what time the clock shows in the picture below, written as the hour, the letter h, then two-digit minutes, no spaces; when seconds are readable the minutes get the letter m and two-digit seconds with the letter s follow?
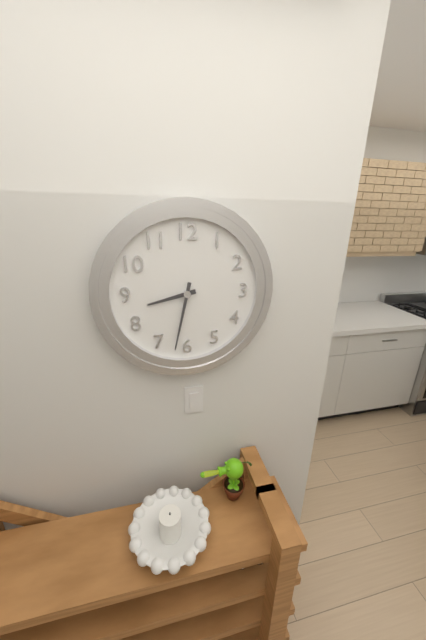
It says 8h32
